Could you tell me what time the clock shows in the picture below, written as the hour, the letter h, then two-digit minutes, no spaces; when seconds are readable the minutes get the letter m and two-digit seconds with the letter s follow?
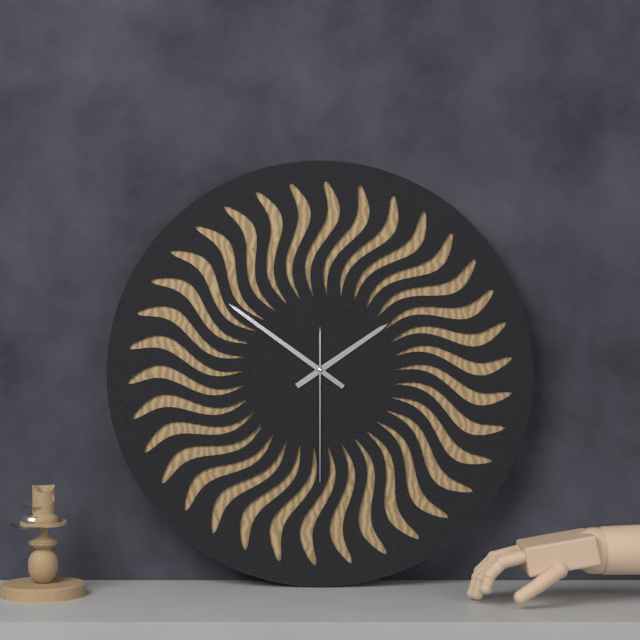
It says 1h51m30s
